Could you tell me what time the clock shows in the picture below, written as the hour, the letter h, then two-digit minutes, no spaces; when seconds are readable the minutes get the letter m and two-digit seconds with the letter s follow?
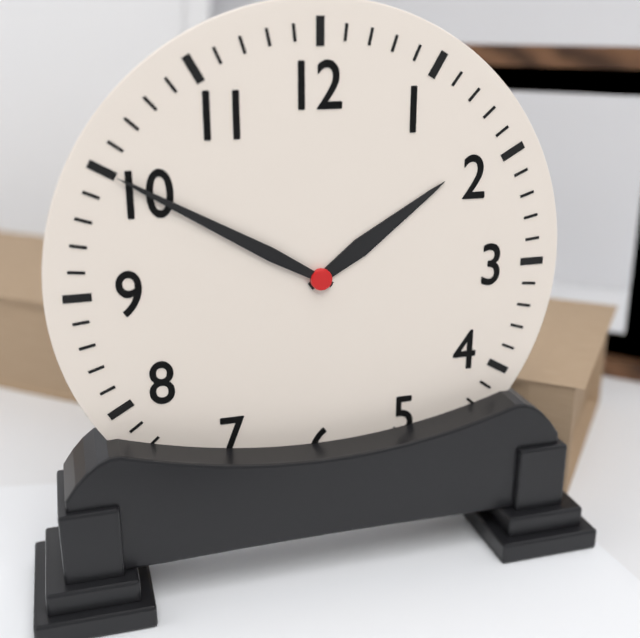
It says 1h50
